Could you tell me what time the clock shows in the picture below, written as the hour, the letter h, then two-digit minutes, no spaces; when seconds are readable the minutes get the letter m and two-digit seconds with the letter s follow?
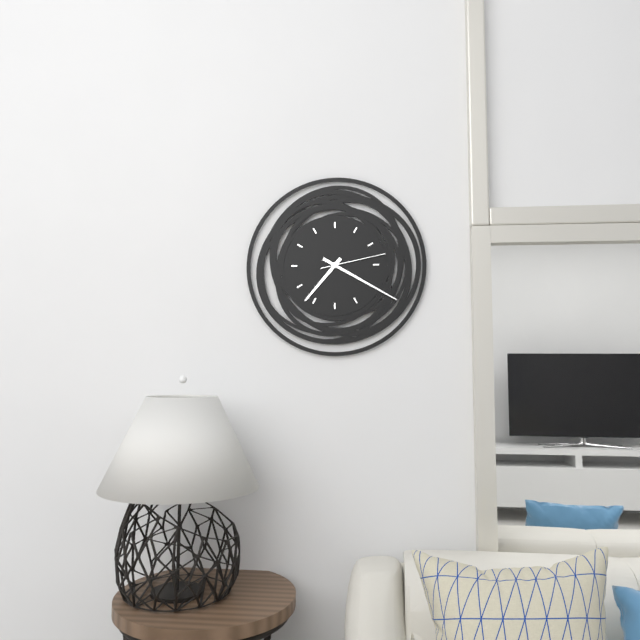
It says 7h20m13s
